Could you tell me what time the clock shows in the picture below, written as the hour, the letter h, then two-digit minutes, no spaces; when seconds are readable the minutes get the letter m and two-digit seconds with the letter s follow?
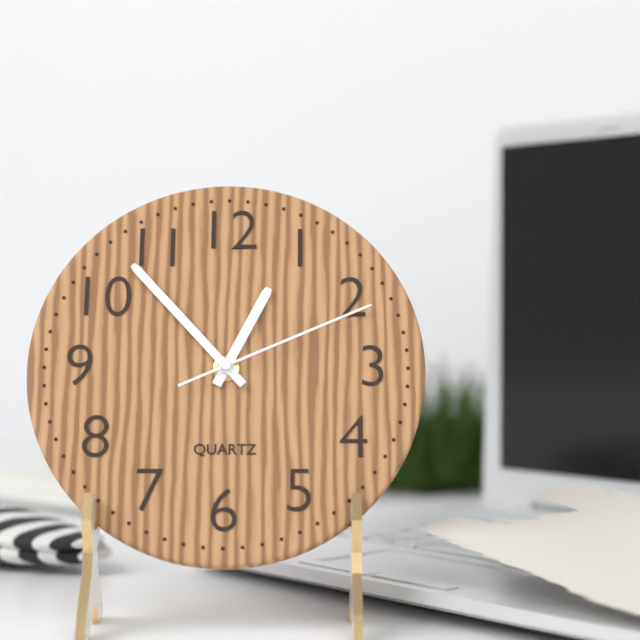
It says 12h53m11s
